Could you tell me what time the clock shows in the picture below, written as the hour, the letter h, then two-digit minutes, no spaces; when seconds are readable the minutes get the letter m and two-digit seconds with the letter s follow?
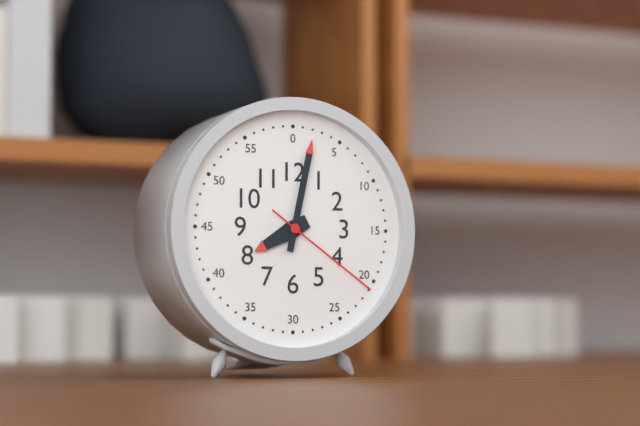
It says 8h02m21s
